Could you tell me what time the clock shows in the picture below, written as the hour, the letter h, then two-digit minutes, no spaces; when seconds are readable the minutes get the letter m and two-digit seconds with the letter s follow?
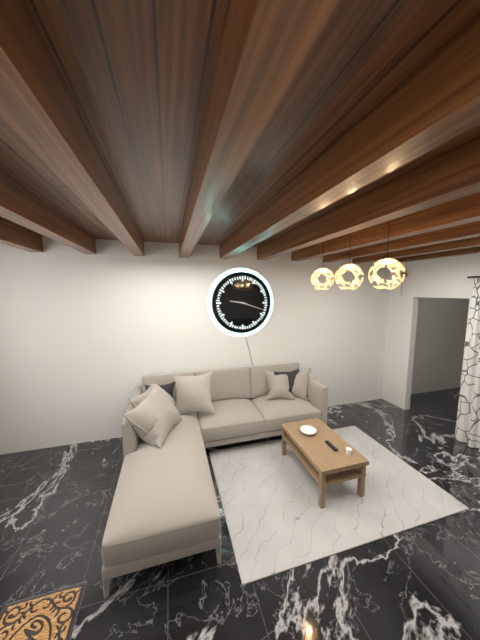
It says 9h18
